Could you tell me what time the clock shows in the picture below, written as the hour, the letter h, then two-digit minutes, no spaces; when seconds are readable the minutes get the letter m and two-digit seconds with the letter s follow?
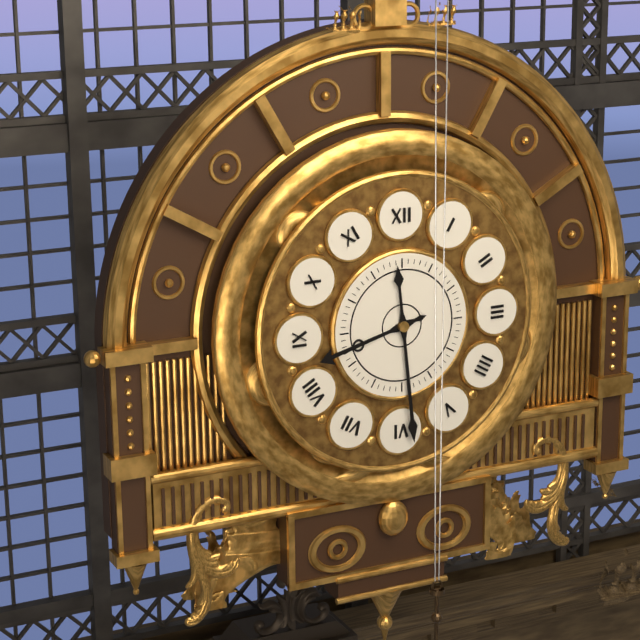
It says 8h29
